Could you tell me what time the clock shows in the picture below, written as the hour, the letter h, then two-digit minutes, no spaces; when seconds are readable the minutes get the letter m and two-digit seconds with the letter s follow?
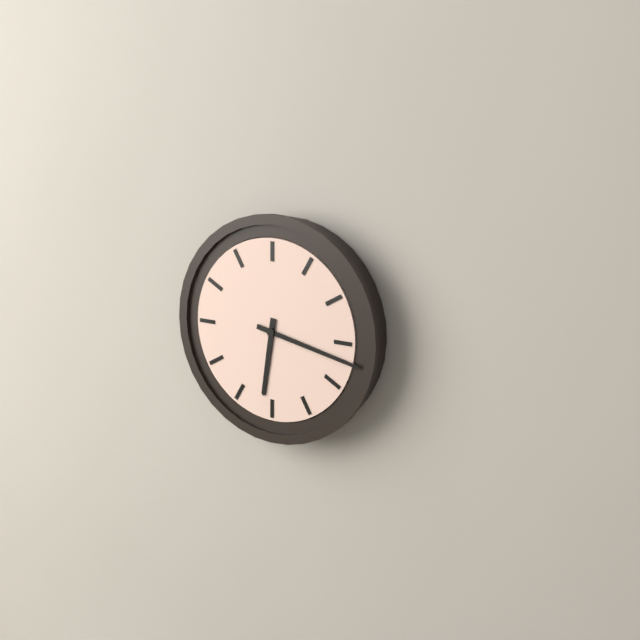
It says 6h17
